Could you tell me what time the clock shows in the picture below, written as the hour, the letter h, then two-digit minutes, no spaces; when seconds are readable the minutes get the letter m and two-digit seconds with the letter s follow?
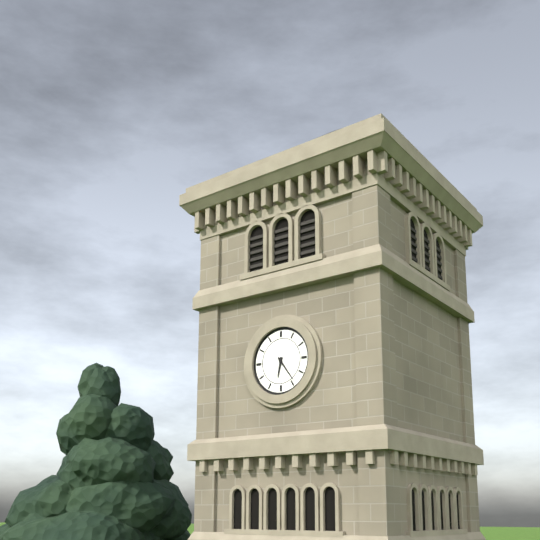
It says 6h24
